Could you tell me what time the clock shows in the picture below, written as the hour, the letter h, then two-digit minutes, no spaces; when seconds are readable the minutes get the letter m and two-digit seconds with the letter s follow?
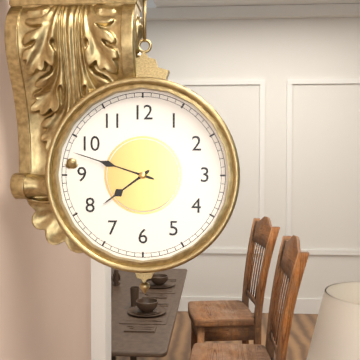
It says 7h48
